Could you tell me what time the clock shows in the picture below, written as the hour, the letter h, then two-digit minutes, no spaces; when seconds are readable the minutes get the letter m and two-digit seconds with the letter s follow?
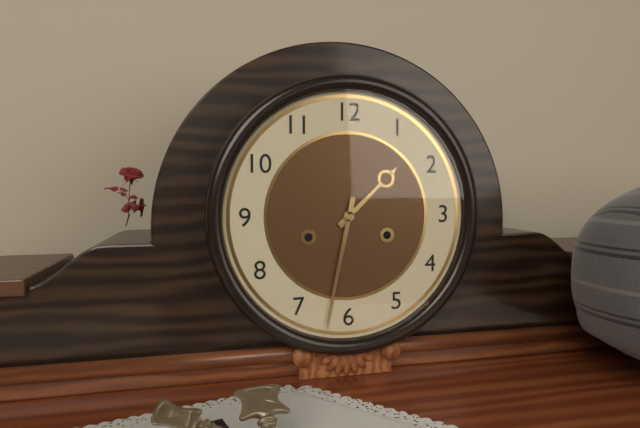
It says 1h32
